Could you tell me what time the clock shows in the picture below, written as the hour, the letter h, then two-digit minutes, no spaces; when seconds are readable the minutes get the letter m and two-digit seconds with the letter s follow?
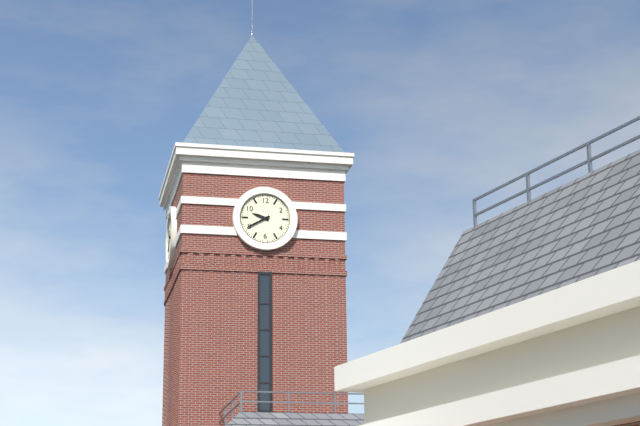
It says 9h40
